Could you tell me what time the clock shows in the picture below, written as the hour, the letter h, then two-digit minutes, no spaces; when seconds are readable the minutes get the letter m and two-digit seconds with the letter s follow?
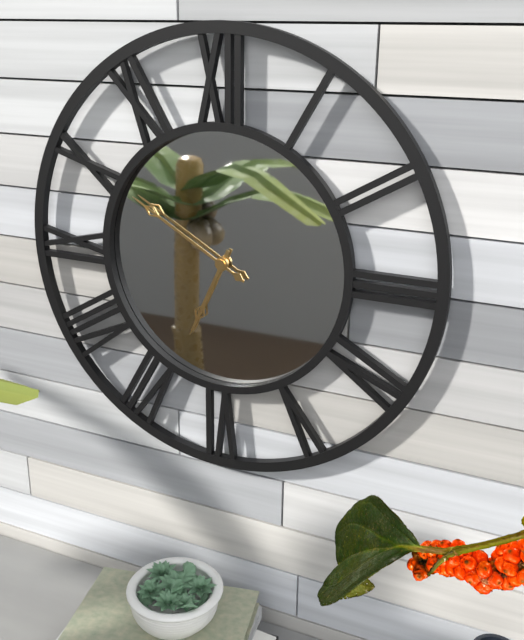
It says 6h50
